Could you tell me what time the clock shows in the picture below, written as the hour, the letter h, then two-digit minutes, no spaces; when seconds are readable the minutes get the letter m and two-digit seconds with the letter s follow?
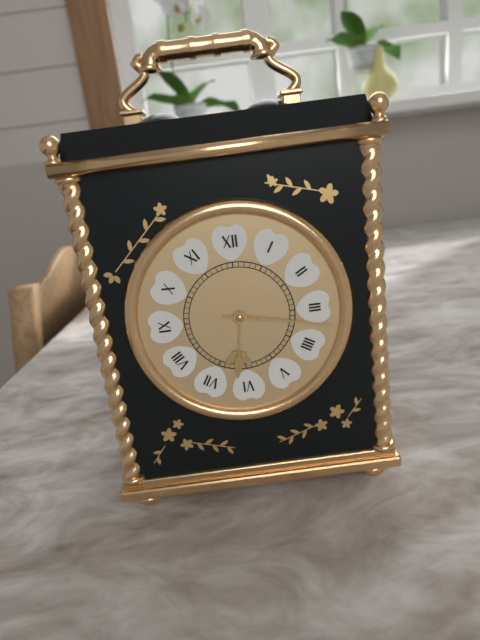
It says 6h17
